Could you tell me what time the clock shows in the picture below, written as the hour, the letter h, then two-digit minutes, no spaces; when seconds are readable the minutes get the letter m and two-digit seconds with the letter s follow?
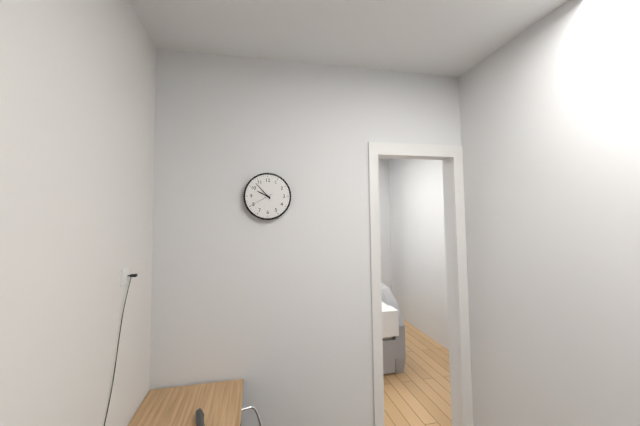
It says 9h53
